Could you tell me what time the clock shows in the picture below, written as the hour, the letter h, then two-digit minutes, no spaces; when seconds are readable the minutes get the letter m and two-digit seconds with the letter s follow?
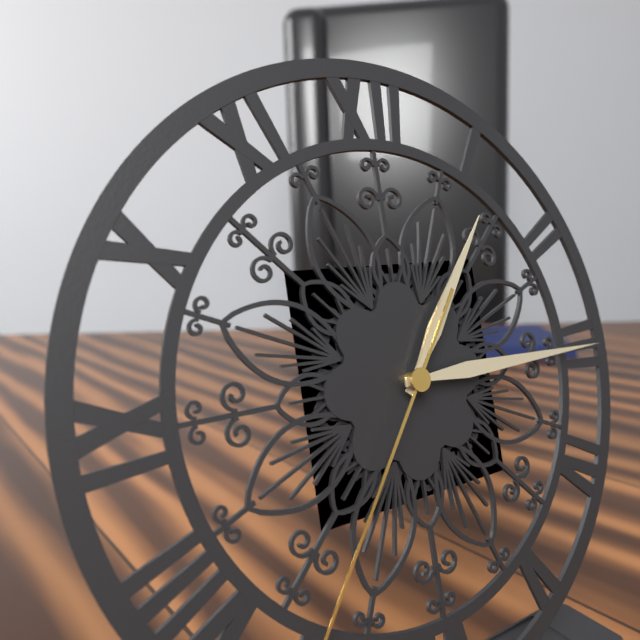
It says 1h15
